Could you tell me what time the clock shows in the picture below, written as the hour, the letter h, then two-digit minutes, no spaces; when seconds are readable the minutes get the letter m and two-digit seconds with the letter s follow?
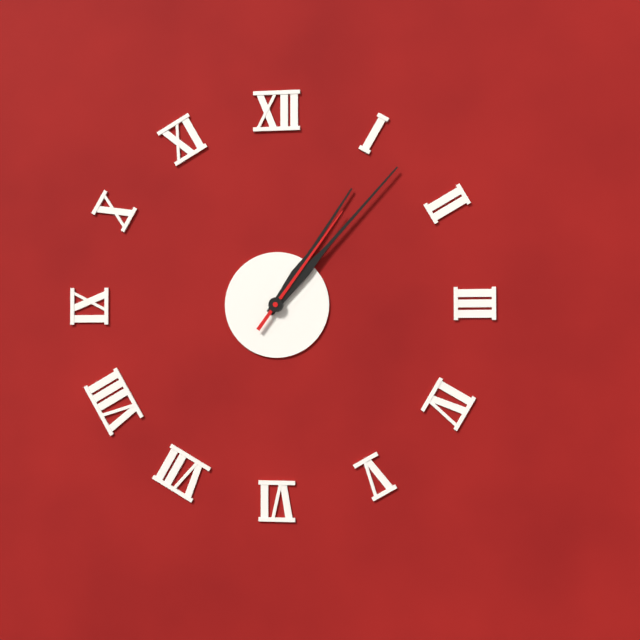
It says 1h07m06s
